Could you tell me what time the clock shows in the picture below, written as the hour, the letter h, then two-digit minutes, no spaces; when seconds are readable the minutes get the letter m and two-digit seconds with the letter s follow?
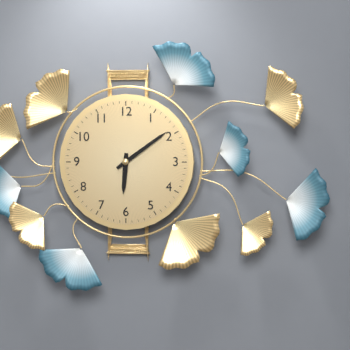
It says 6h09
